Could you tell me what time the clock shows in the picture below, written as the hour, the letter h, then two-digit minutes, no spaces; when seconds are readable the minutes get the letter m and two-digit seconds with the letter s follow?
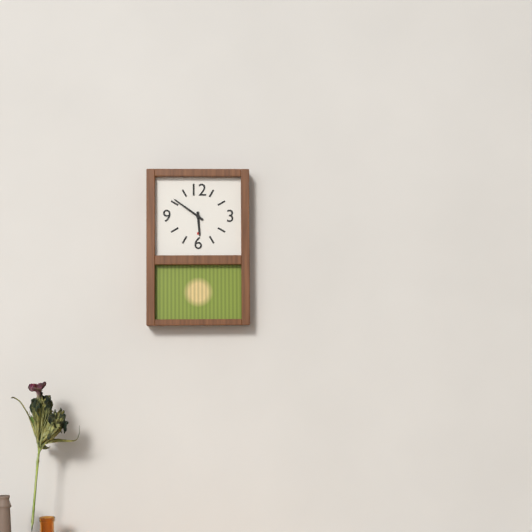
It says 5h51
